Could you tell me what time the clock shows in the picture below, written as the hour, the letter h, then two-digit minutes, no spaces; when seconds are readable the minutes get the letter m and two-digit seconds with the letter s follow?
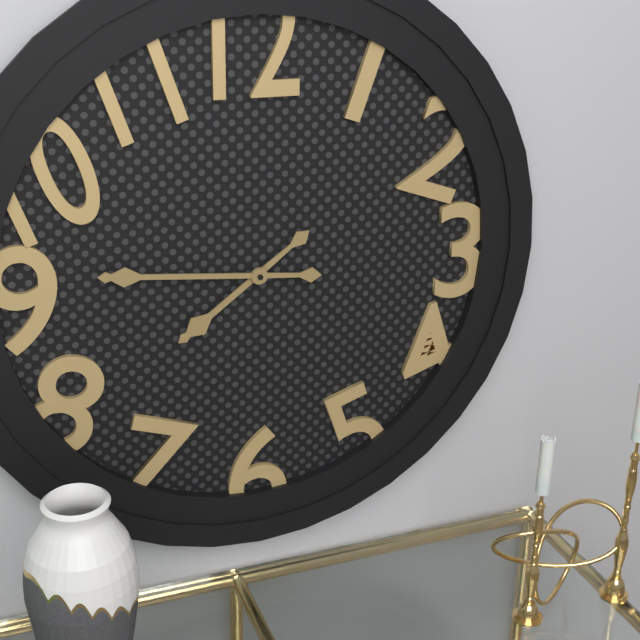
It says 7h46
